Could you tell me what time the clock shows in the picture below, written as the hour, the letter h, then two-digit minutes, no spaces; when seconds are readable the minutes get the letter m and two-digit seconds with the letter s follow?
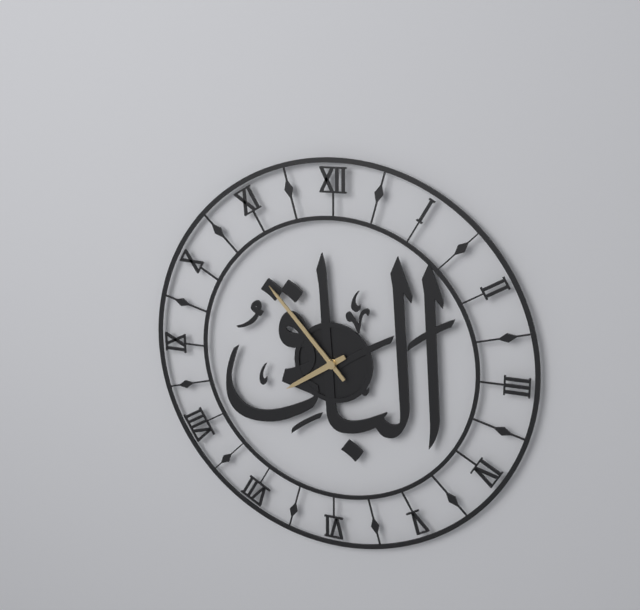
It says 7h53
